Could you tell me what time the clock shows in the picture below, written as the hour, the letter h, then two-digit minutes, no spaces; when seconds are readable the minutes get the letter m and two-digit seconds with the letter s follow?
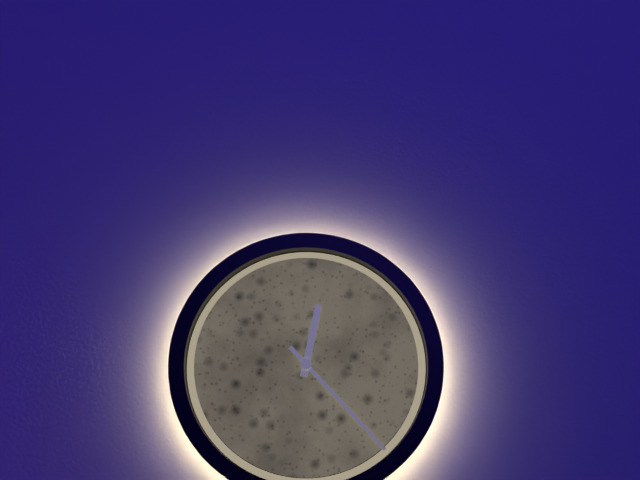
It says 12h23
